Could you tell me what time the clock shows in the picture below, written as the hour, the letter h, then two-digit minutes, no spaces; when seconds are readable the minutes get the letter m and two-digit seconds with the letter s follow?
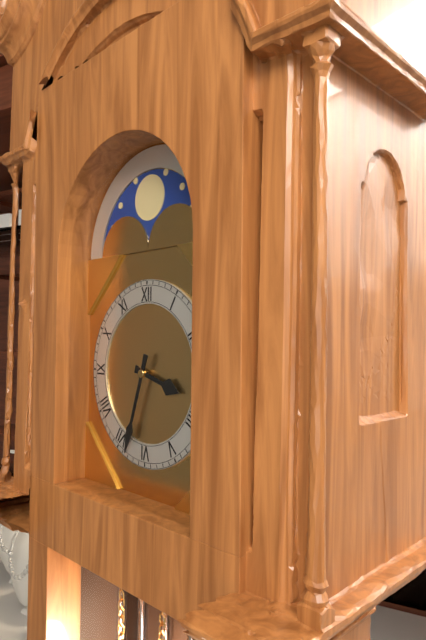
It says 3h33
